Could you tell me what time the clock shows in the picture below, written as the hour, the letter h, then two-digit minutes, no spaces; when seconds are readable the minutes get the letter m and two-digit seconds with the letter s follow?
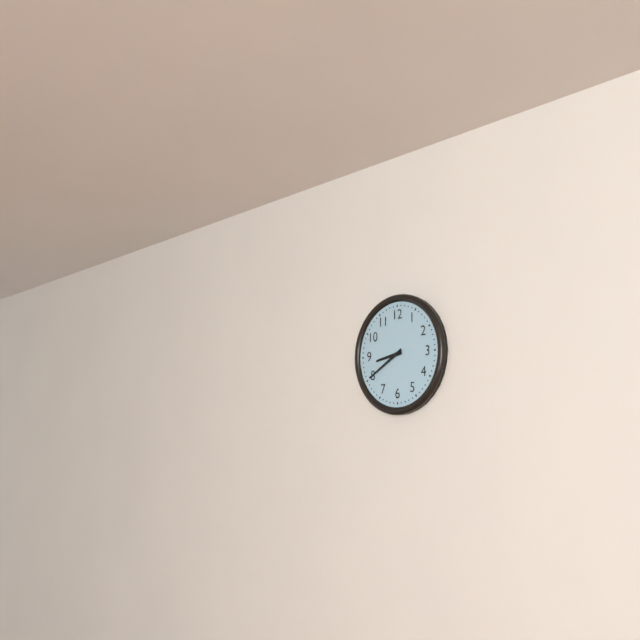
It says 8h40
